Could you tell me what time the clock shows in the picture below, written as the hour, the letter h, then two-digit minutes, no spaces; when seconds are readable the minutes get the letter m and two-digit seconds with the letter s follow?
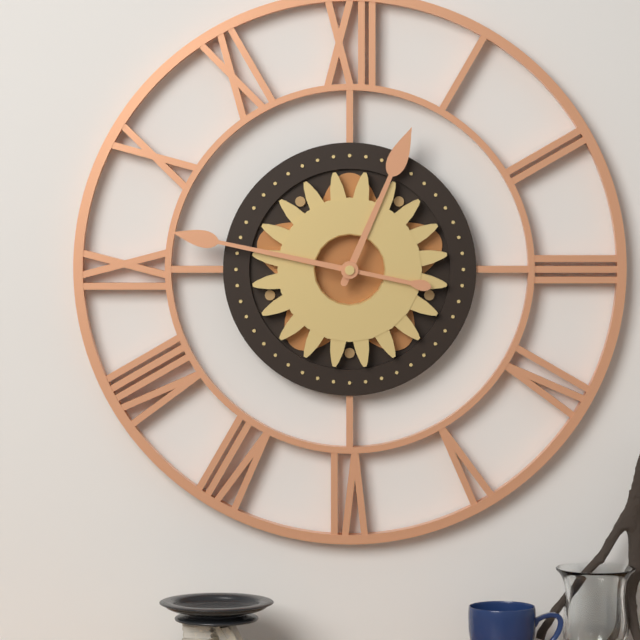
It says 12h47
